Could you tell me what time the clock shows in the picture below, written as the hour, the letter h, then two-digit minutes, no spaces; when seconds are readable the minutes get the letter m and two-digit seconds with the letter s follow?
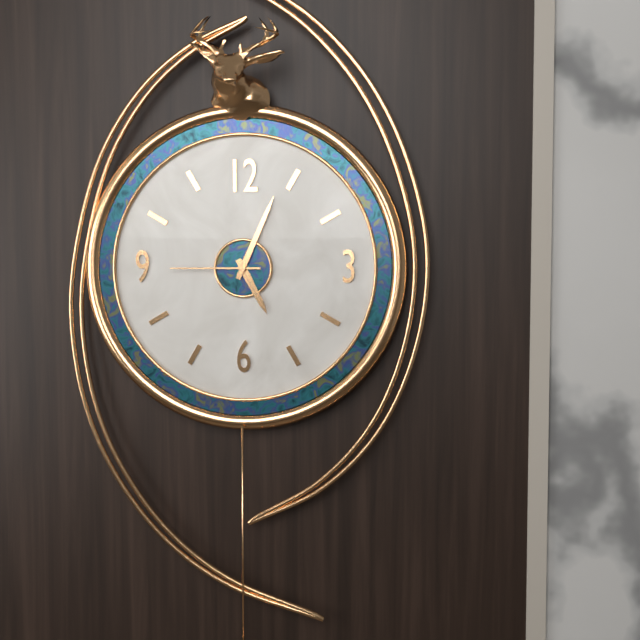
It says 5h04m45s
